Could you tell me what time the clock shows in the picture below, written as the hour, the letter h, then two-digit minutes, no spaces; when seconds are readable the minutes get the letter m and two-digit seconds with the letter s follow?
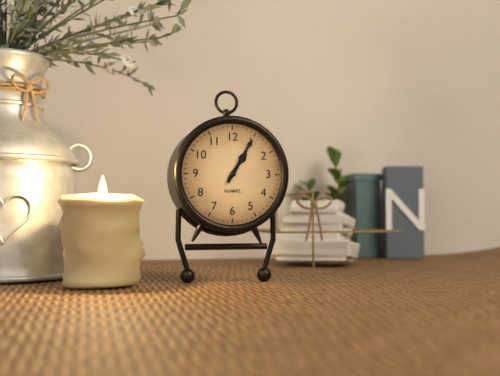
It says 1h05
